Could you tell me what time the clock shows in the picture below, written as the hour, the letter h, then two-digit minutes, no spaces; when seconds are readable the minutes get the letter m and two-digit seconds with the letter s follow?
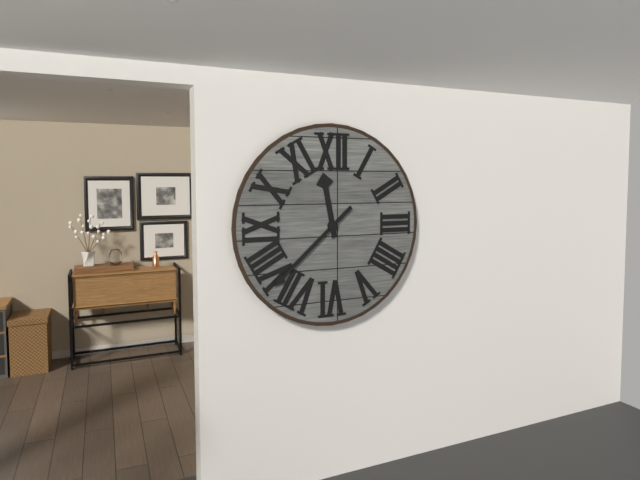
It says 11h38
